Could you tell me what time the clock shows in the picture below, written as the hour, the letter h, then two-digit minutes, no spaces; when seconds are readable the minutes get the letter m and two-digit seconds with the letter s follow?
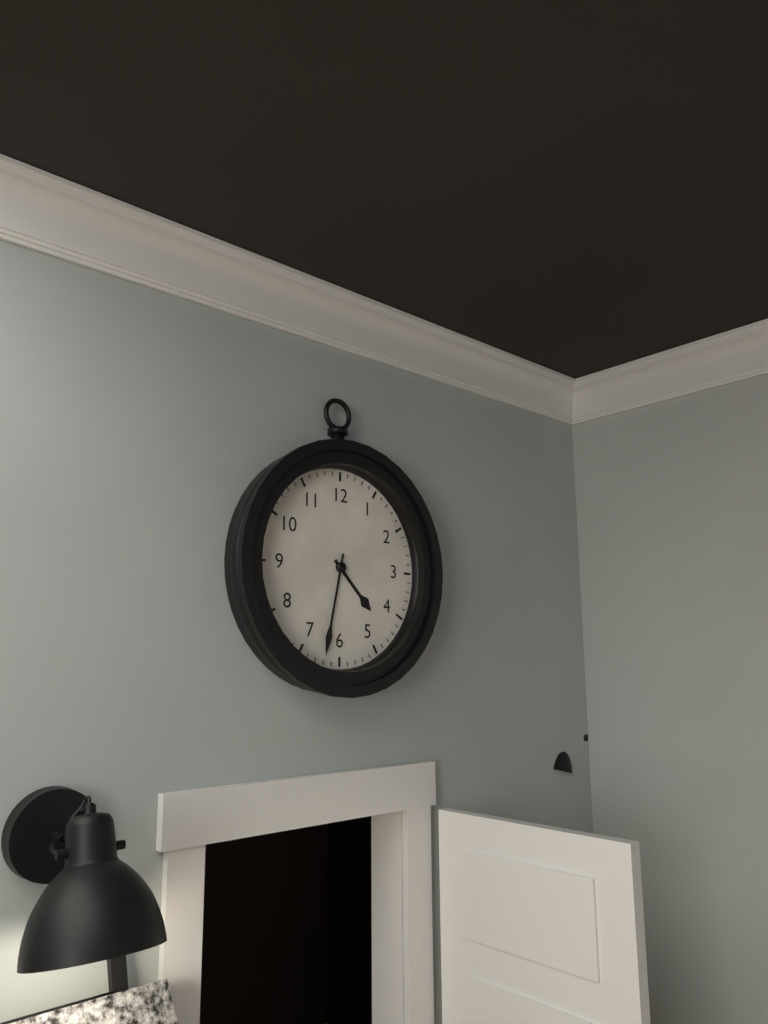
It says 4h32
